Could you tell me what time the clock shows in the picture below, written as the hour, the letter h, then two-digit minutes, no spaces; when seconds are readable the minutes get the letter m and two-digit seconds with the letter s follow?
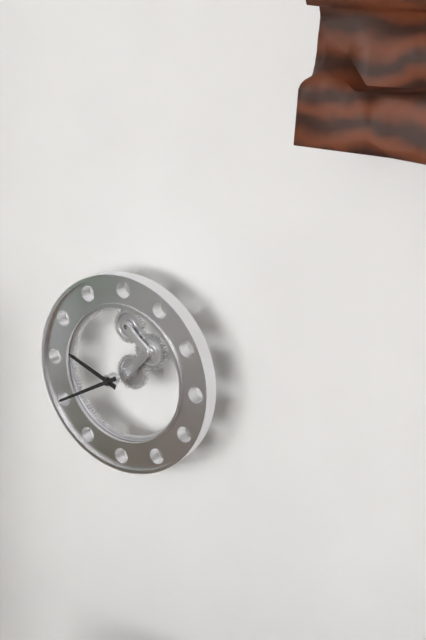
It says 9h40
